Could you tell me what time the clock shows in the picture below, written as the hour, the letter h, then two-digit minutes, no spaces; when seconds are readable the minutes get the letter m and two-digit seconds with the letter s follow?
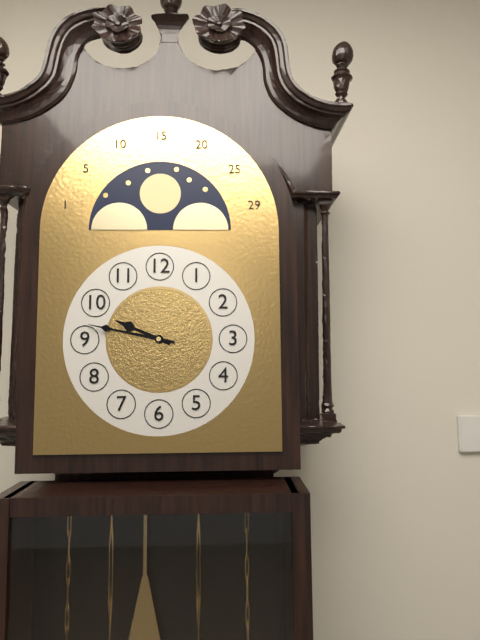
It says 9h47
